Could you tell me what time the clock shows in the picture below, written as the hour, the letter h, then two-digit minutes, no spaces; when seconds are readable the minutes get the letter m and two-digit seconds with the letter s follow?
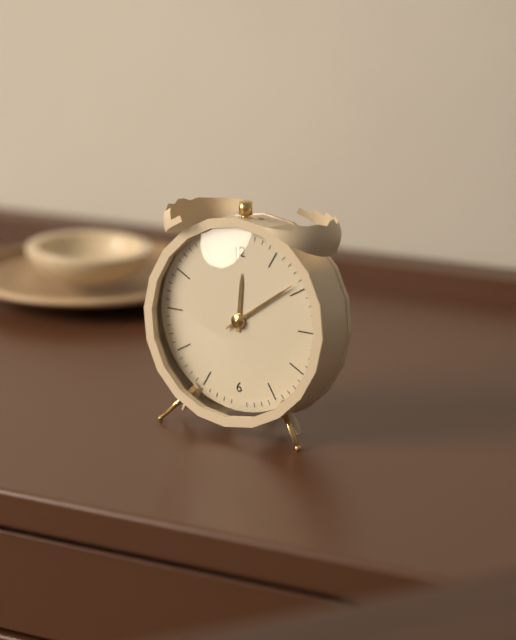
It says 12h09m09s
